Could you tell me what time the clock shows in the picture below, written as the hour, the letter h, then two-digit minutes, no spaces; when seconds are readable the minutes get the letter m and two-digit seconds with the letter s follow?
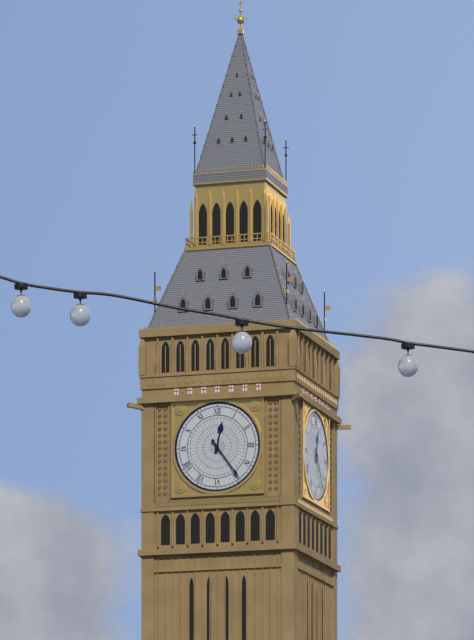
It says 12h24
